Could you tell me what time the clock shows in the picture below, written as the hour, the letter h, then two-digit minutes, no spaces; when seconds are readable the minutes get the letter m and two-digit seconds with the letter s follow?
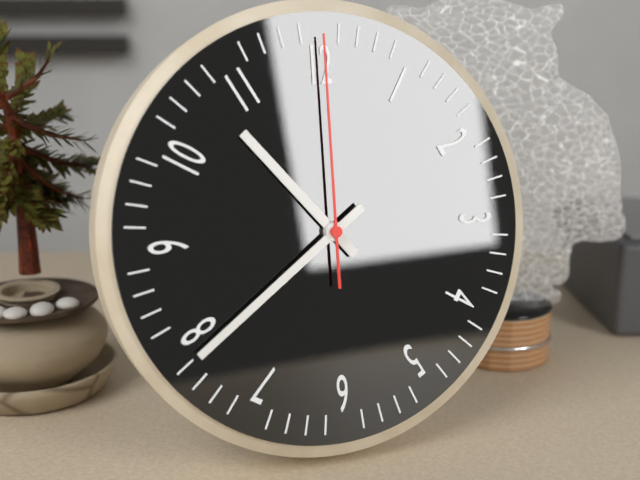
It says 10h39m00s
